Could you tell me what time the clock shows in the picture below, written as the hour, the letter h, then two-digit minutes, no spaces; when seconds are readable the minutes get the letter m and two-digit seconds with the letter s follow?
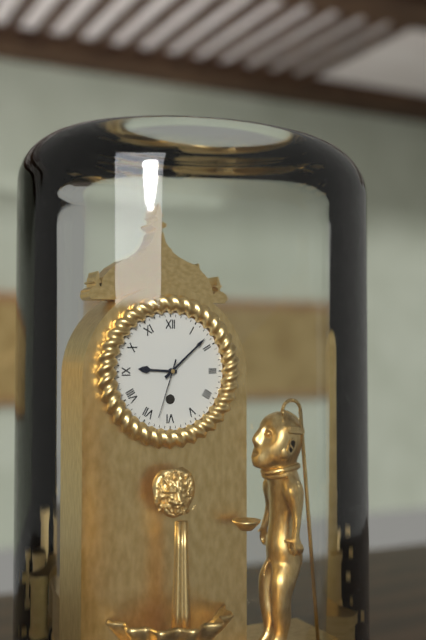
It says 9h08m33s
